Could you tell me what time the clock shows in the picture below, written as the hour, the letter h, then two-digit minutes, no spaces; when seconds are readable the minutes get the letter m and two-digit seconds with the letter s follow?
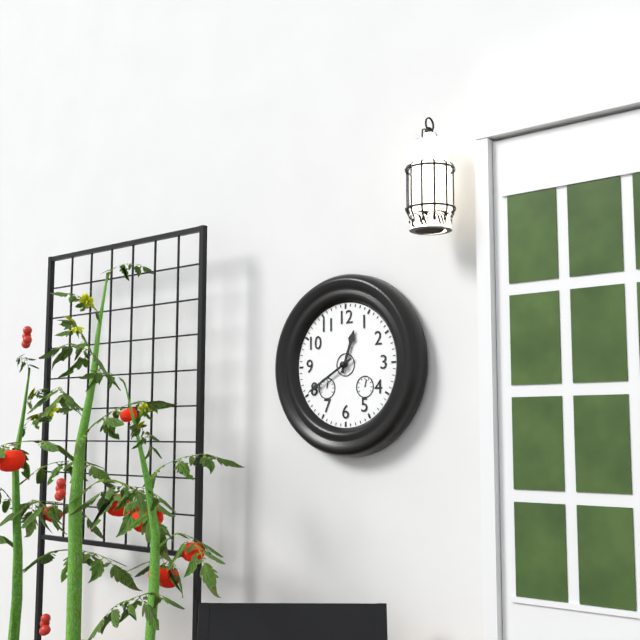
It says 12h40
